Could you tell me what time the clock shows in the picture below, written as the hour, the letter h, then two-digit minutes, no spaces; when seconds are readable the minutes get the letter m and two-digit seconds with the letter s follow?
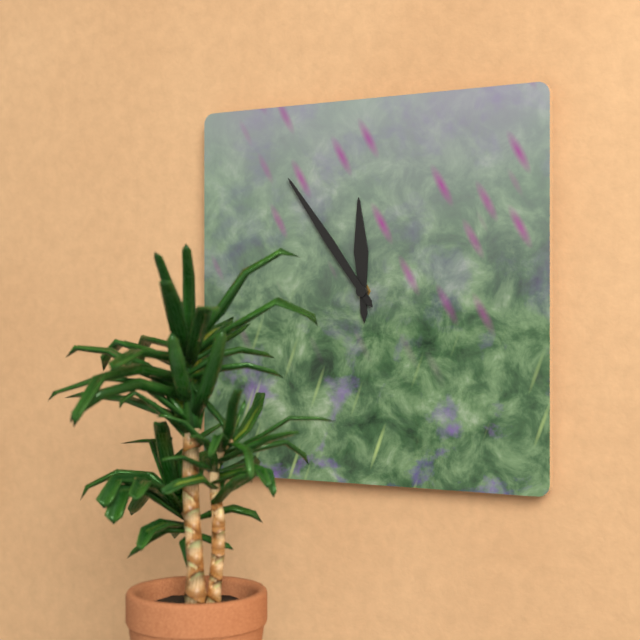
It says 11h54
